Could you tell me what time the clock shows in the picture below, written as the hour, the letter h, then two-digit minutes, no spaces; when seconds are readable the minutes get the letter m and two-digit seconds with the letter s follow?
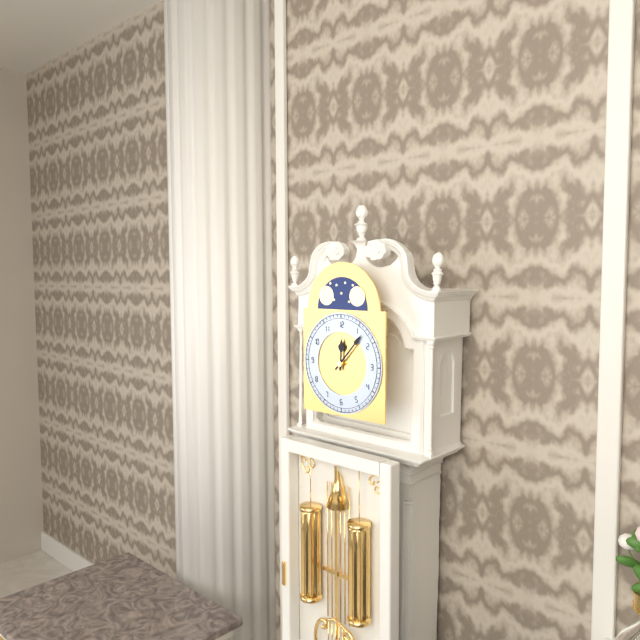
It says 12h07
